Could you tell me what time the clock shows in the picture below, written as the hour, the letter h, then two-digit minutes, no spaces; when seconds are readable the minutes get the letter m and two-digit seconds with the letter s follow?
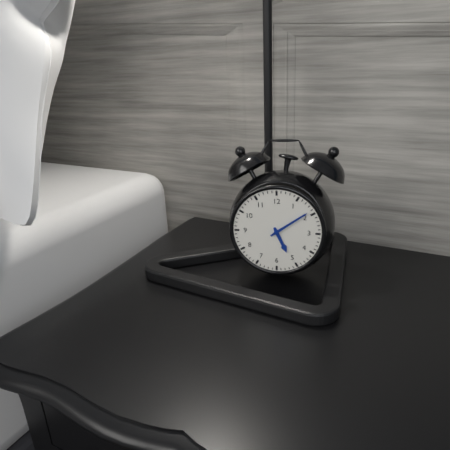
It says 5h09
